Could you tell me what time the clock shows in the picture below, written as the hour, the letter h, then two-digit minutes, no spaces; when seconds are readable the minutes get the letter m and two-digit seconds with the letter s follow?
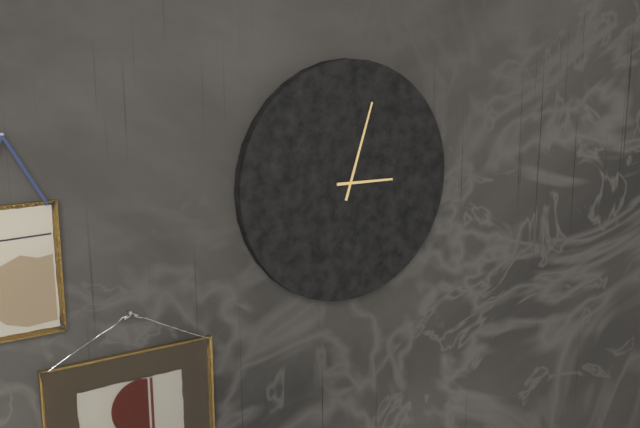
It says 3h03
